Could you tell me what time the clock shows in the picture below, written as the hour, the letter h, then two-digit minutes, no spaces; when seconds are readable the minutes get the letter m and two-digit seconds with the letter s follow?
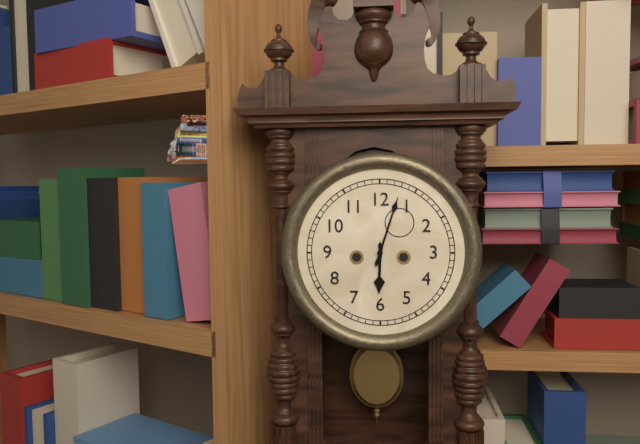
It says 6h03
